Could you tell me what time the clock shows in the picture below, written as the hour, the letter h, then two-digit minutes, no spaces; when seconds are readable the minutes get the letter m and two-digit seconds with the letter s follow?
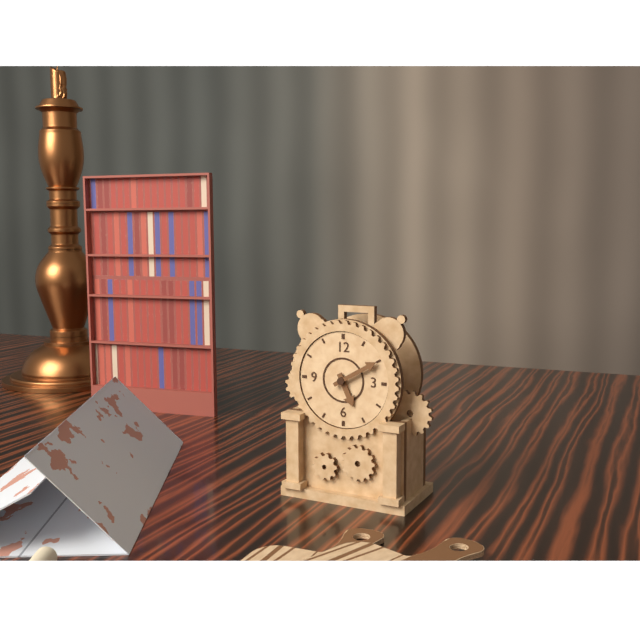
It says 5h10
